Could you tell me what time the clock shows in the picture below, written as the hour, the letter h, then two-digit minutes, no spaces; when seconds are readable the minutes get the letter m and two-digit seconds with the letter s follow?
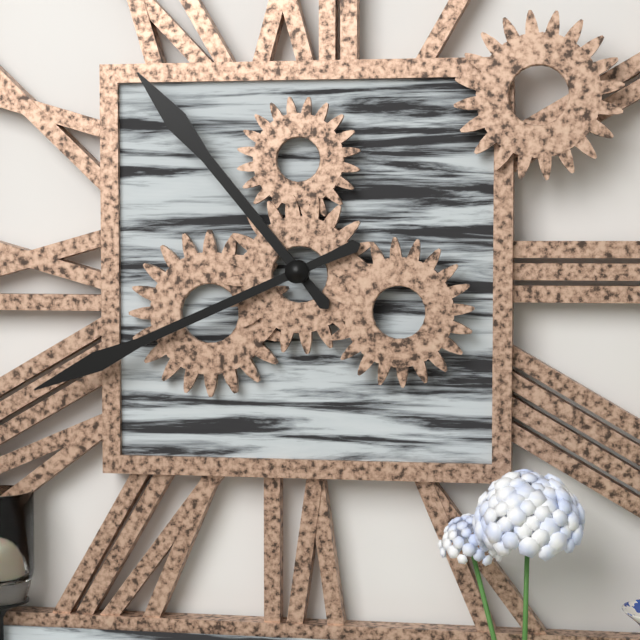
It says 10h41
